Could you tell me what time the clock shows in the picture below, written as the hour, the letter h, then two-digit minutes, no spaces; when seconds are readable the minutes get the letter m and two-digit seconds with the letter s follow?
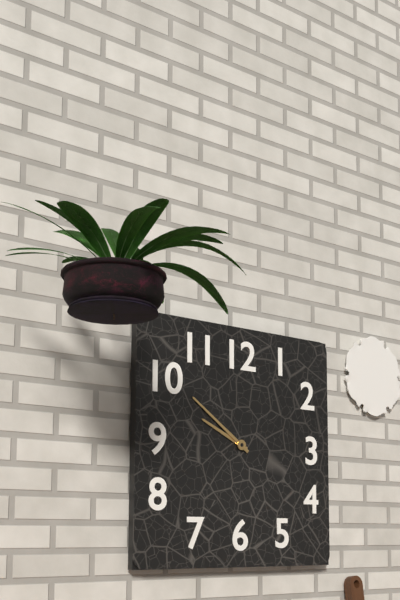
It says 9h51
